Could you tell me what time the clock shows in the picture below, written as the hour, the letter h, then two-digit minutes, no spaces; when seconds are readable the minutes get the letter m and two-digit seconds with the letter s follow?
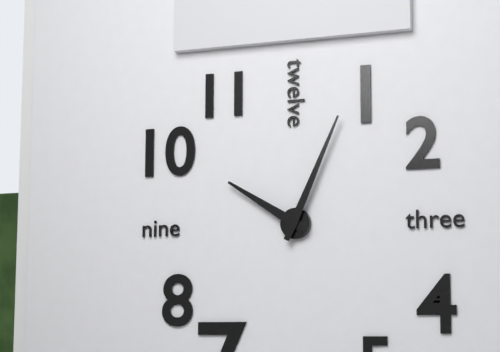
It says 10h04
